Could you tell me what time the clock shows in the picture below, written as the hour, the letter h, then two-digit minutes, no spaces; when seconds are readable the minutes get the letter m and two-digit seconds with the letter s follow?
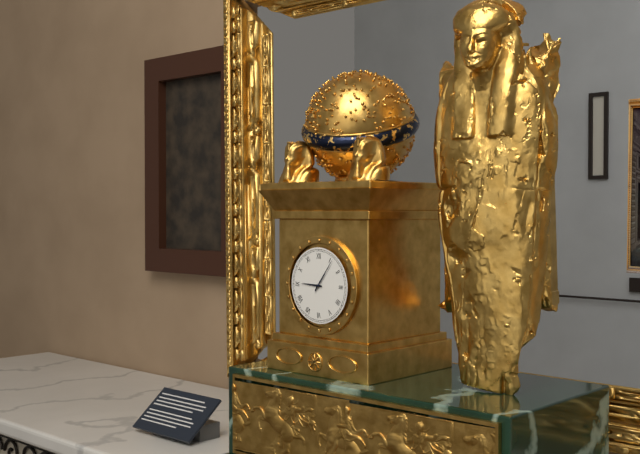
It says 9h06
